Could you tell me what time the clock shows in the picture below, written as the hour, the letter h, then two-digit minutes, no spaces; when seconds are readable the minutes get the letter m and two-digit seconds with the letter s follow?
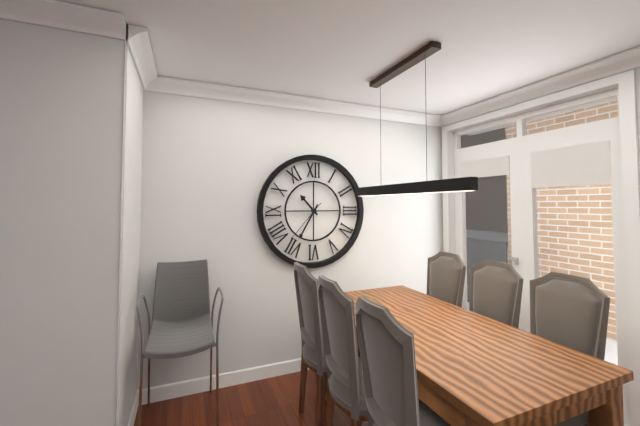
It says 10h35
